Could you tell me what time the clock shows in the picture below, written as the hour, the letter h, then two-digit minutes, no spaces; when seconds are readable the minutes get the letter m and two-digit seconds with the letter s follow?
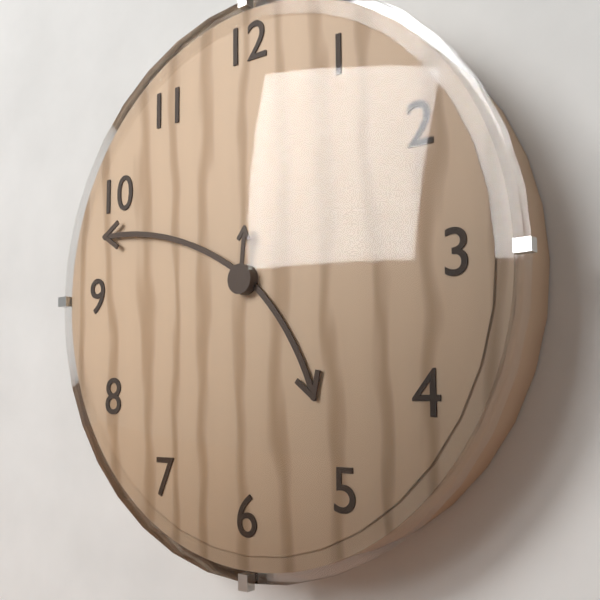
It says 4h48m01s
